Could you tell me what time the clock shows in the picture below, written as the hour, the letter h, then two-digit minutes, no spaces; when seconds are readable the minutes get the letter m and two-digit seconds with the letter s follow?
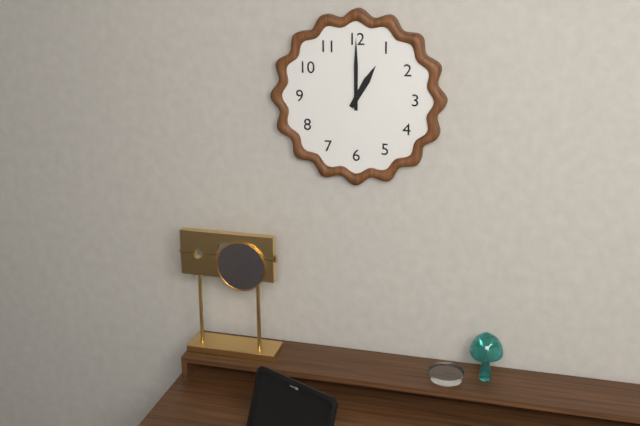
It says 1h00
